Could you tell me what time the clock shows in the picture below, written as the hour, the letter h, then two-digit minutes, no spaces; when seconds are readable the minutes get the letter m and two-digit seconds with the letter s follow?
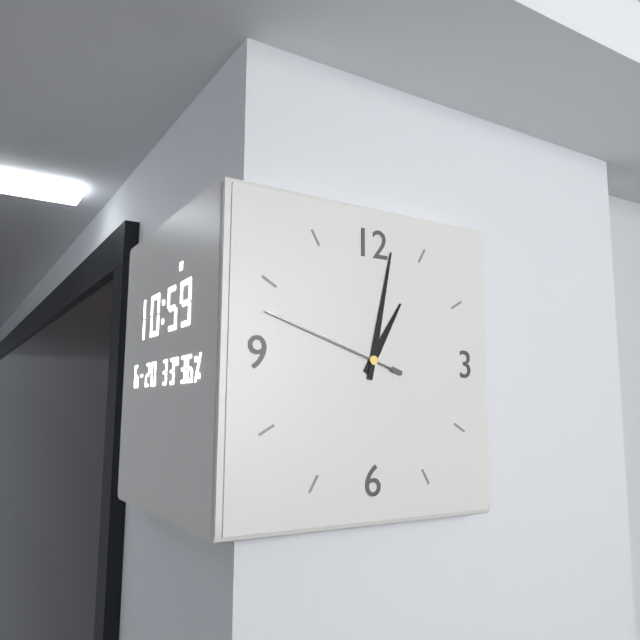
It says 1h02m48s
